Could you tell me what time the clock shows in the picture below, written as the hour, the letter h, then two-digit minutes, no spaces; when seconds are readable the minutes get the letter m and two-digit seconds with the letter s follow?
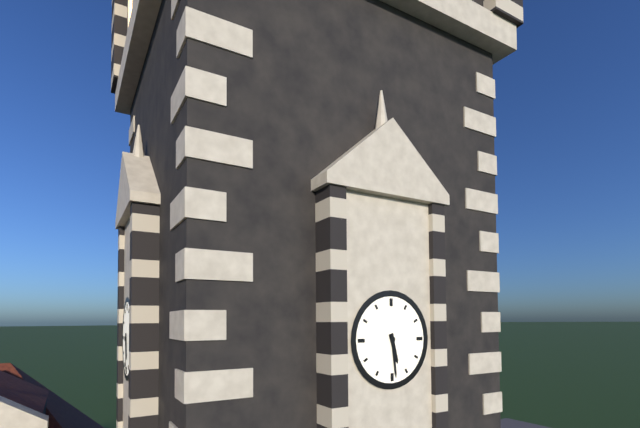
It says 5h29
